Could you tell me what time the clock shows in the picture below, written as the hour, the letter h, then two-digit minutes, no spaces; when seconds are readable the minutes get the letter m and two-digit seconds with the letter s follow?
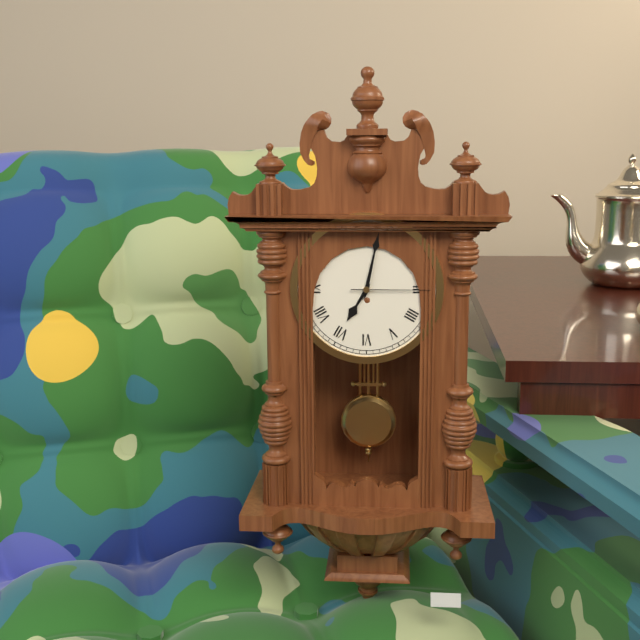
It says 7h02m15s
